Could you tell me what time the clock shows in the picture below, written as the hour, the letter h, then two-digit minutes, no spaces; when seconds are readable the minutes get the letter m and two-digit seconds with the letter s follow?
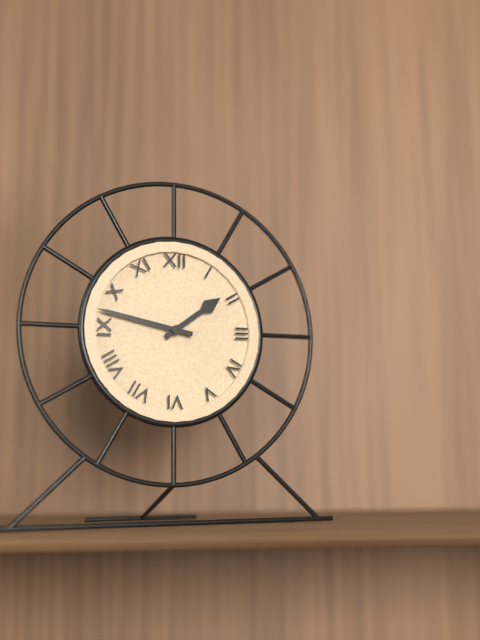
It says 1h47
